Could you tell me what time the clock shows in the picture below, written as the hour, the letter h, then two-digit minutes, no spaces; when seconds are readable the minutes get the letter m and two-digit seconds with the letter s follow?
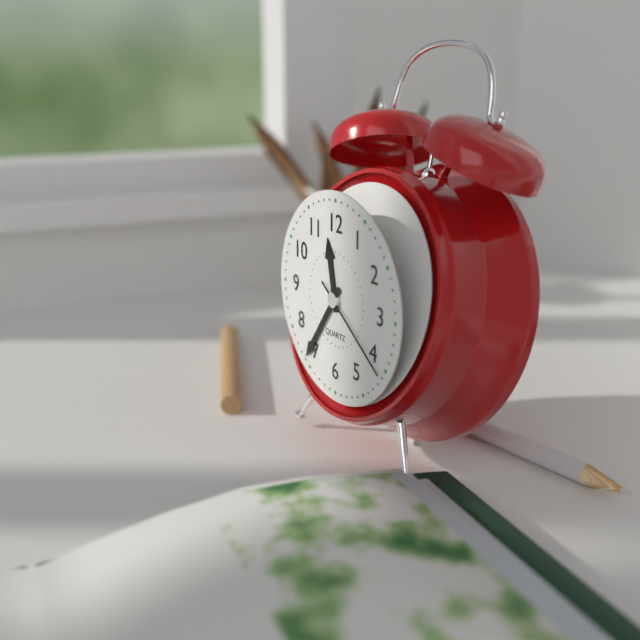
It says 11h36m21s
